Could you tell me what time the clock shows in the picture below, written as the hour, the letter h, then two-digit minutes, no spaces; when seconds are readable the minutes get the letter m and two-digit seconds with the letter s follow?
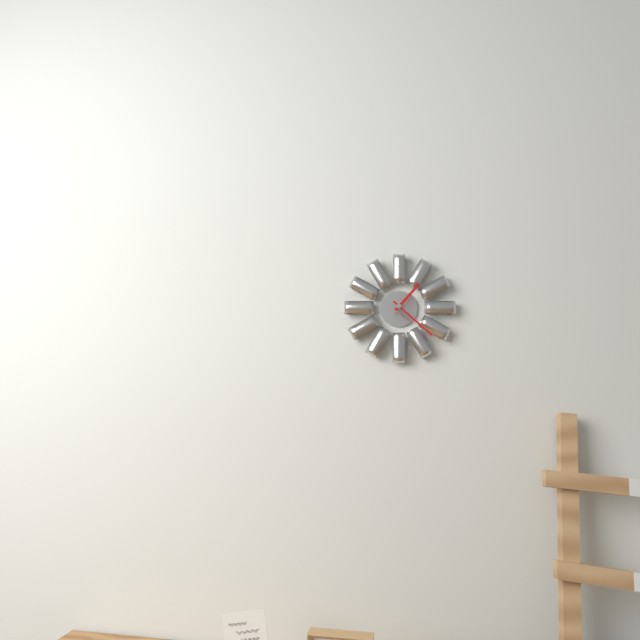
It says 1h22
